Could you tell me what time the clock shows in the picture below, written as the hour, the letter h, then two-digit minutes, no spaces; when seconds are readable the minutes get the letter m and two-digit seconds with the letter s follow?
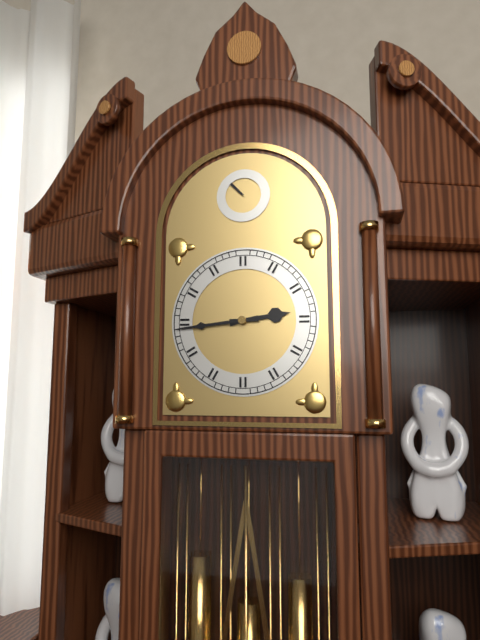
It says 2h44
